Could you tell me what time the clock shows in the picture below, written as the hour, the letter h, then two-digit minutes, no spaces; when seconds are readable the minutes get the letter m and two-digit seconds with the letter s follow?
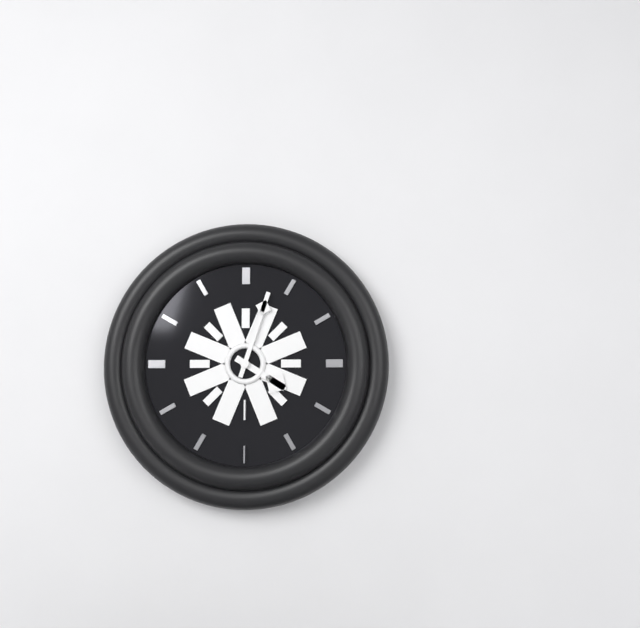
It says 4h03
